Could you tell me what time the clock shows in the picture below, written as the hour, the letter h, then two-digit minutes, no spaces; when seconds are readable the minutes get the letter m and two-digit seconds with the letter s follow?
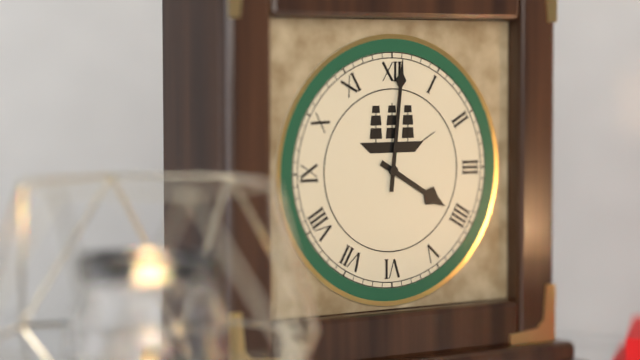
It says 4h01
